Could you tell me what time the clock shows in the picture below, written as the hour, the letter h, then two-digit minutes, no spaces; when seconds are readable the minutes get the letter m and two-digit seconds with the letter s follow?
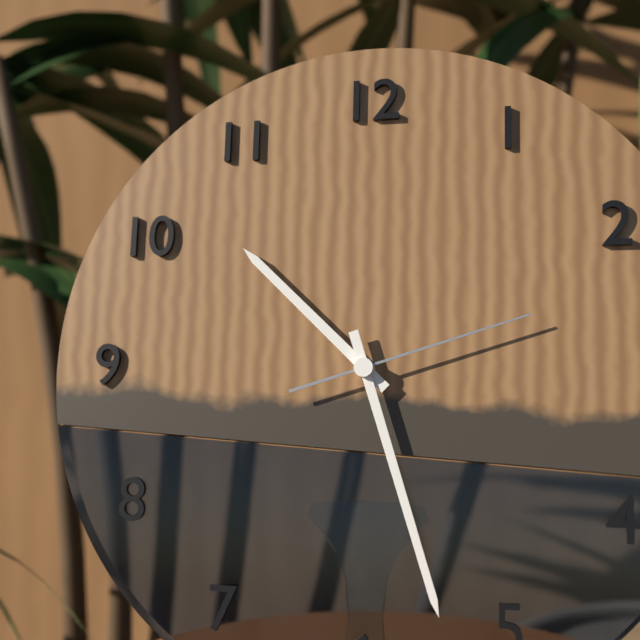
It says 10h27m12s
